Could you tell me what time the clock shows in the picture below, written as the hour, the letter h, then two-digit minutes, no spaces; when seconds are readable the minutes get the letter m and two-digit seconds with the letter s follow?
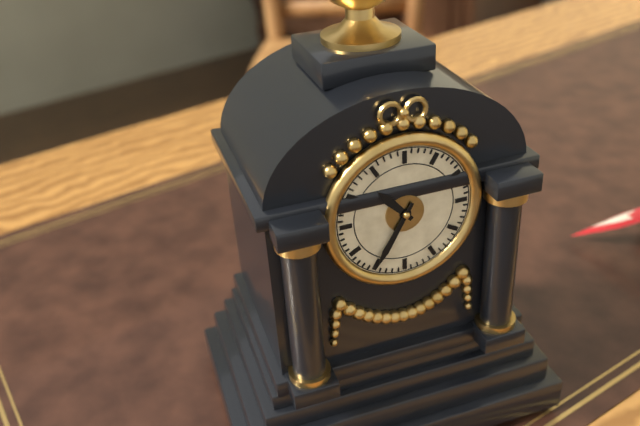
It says 10h35
